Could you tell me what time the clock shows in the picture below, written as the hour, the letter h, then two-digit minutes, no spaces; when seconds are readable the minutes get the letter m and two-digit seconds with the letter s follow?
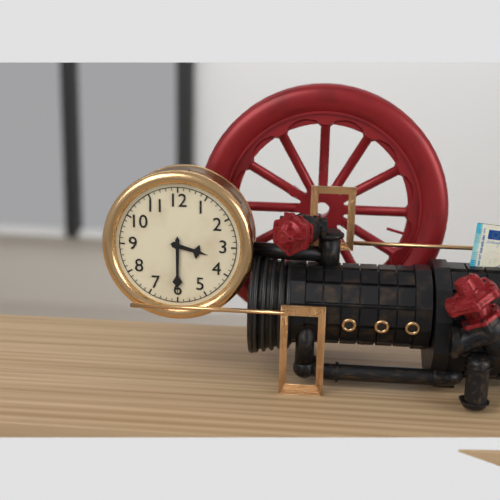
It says 3h30
